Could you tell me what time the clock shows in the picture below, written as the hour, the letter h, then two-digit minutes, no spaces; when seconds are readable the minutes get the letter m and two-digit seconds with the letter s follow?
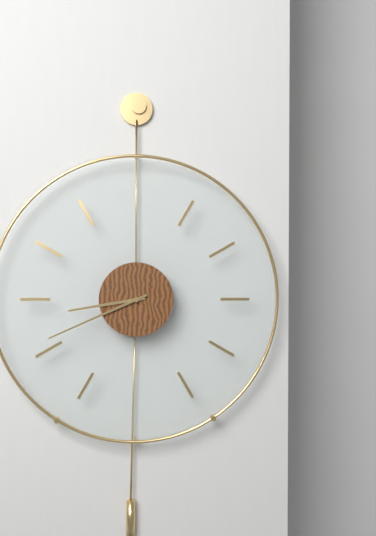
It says 8h41
